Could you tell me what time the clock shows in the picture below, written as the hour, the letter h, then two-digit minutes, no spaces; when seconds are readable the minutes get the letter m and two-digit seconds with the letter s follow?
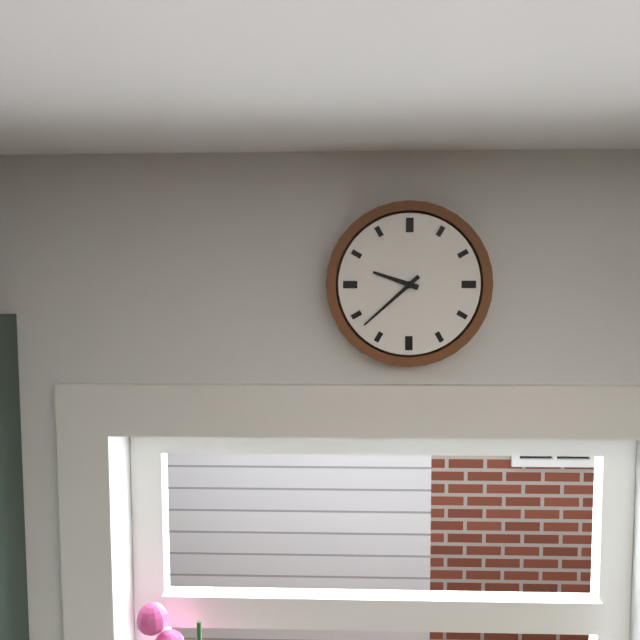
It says 9h38
